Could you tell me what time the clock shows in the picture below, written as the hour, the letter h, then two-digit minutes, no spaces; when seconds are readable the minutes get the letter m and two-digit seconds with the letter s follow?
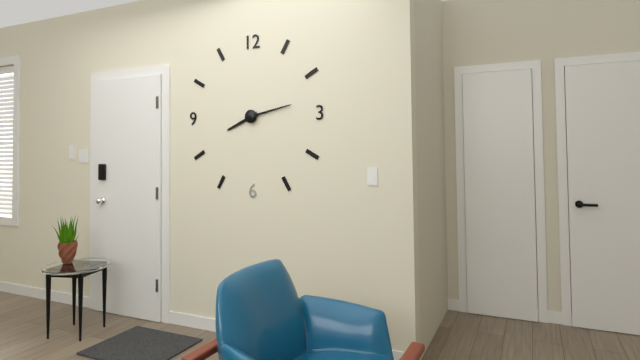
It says 8h13
